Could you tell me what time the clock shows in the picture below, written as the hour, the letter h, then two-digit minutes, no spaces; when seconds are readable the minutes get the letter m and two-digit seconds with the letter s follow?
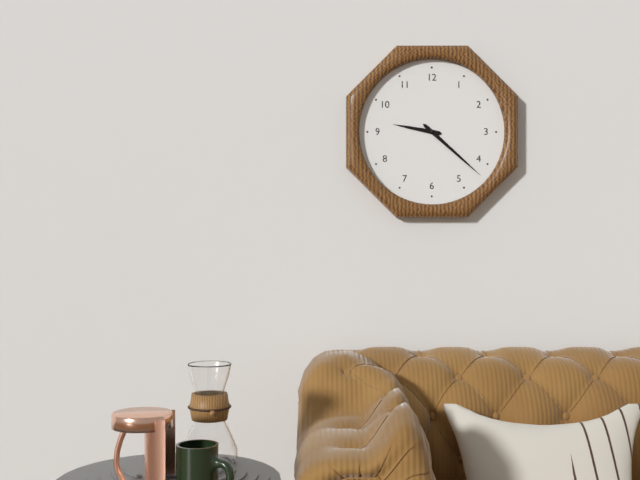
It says 9h22
